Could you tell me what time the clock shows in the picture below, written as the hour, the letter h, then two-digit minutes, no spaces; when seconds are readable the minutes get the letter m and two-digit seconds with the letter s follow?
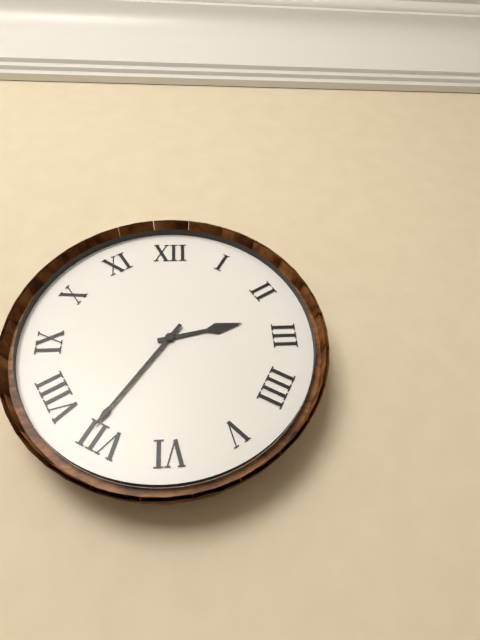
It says 2h36
